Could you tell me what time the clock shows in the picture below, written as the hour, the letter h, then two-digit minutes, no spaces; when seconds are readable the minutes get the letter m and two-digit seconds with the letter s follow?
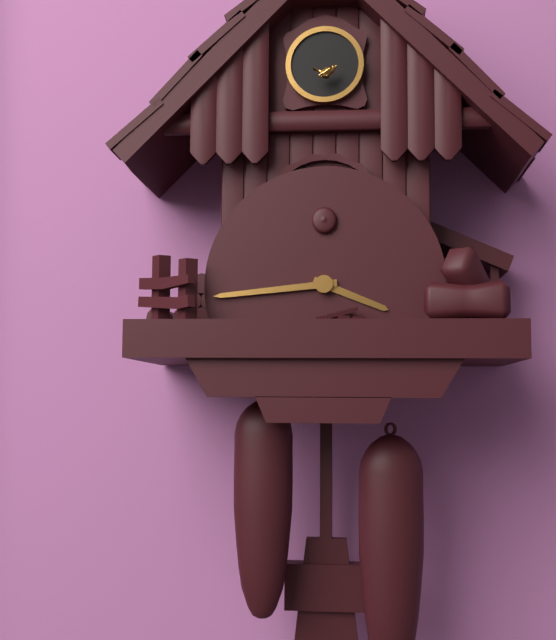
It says 3h44
